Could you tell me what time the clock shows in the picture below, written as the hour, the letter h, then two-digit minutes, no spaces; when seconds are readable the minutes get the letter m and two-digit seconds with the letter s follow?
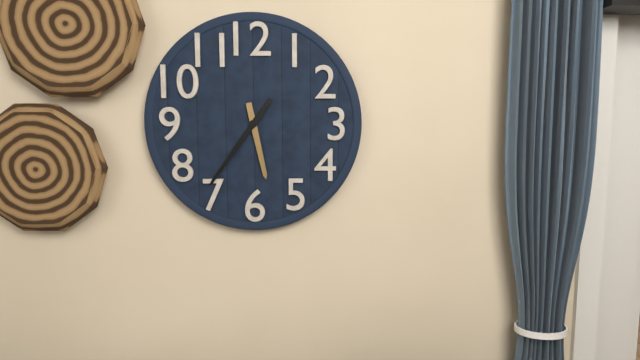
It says 5h36
